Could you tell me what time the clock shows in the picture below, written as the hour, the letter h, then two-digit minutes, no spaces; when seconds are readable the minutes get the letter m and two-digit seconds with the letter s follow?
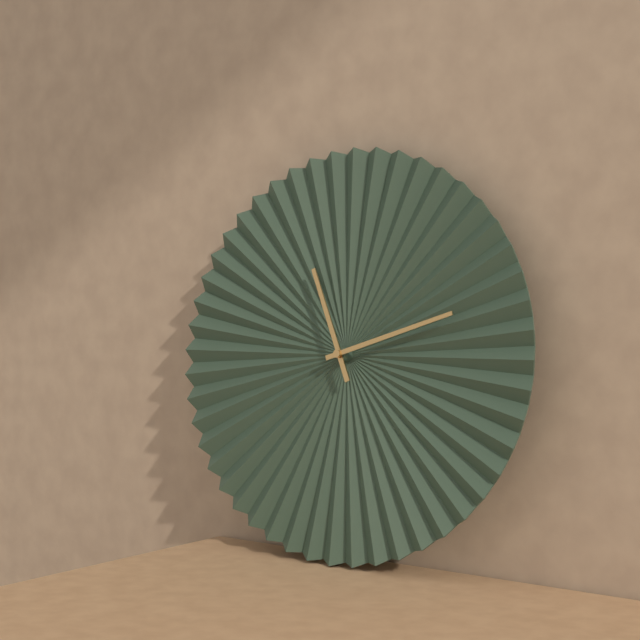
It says 11h12
